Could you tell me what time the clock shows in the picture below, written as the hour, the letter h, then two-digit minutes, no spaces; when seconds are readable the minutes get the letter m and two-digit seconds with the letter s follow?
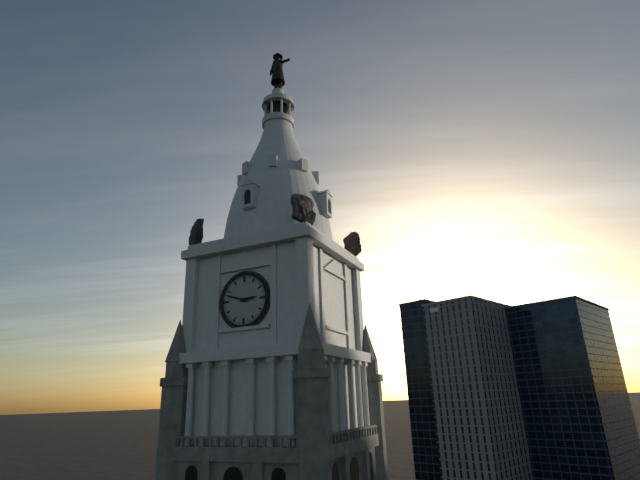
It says 2h48
